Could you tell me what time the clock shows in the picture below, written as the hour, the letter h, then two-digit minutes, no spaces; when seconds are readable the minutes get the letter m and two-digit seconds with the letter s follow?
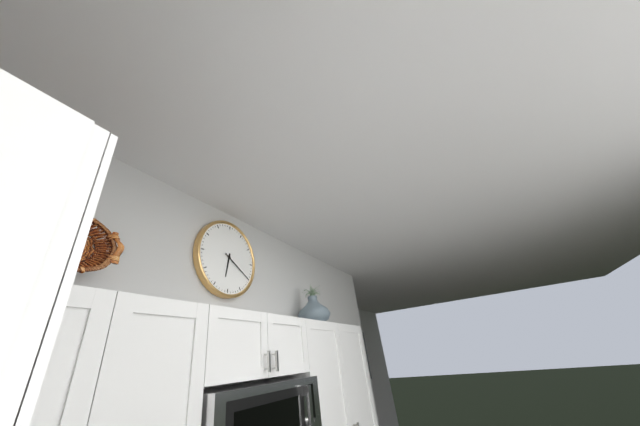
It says 6h20
